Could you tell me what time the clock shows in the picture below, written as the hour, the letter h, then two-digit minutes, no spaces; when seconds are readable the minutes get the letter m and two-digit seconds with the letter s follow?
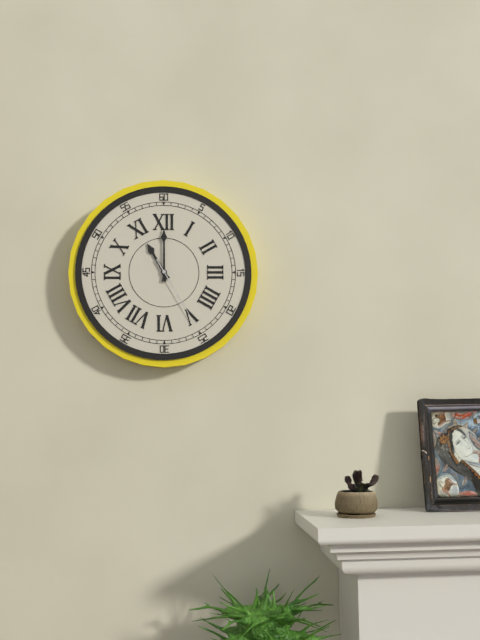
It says 11h00m25s
